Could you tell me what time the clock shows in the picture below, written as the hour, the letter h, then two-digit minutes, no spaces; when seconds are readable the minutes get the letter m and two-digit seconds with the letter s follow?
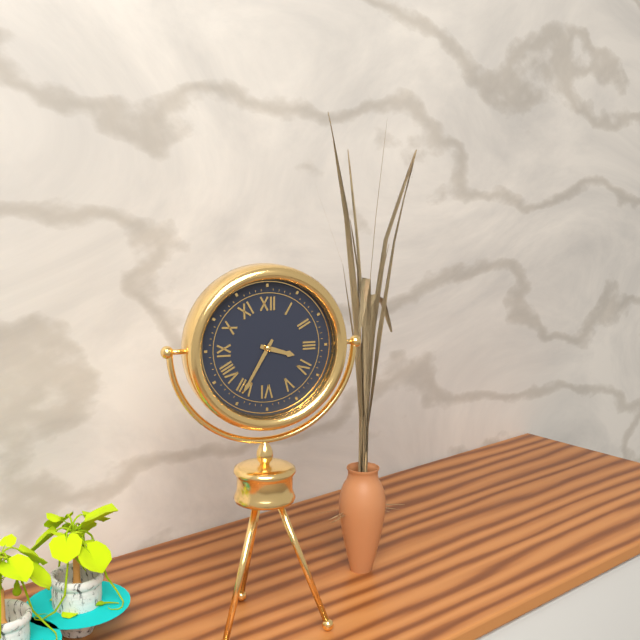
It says 3h35
